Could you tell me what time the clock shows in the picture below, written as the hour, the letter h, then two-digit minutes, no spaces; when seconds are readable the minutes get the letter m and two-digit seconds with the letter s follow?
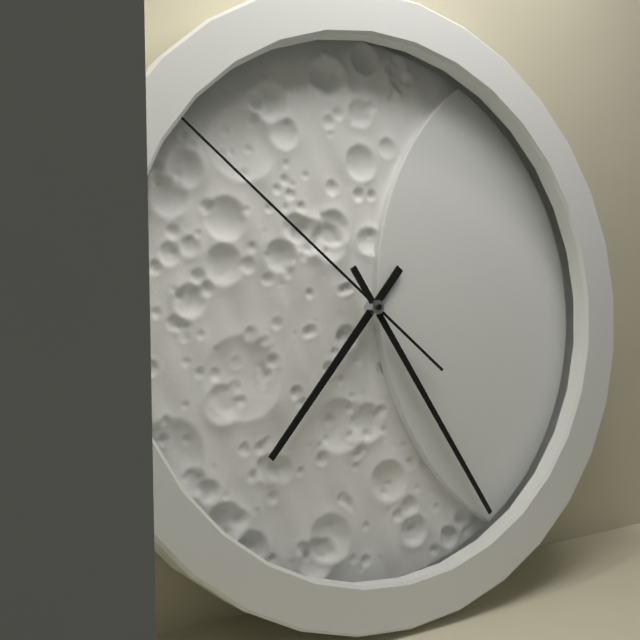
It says 7h25m52s
